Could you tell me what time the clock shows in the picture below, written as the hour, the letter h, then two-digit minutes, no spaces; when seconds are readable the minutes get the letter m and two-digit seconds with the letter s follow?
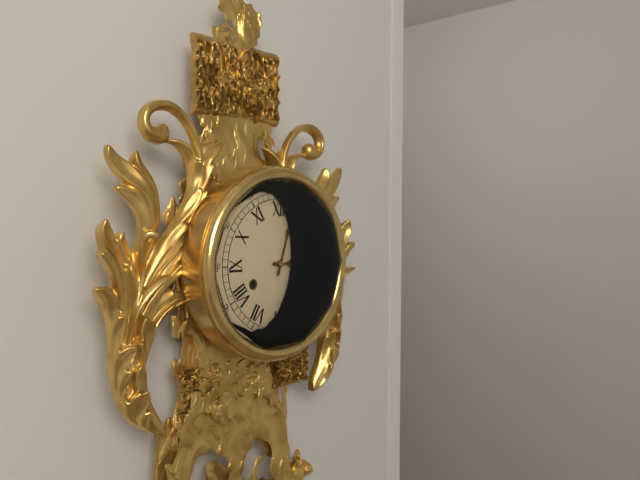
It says 3h03
